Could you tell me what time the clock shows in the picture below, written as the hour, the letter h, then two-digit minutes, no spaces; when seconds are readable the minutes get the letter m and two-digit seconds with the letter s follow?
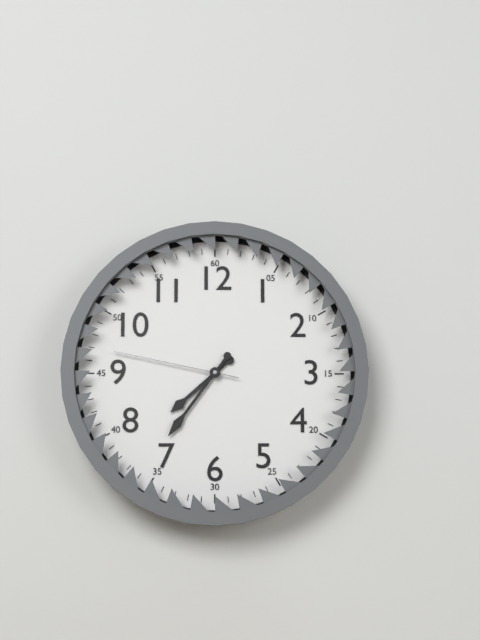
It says 7h36m47s
